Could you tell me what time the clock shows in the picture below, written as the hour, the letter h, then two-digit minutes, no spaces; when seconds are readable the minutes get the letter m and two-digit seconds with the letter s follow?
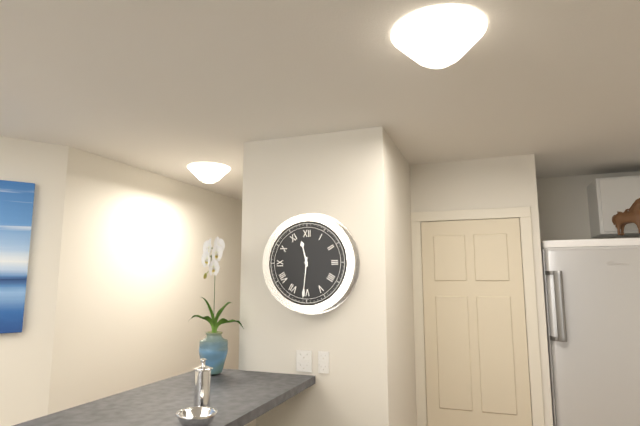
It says 11h31
